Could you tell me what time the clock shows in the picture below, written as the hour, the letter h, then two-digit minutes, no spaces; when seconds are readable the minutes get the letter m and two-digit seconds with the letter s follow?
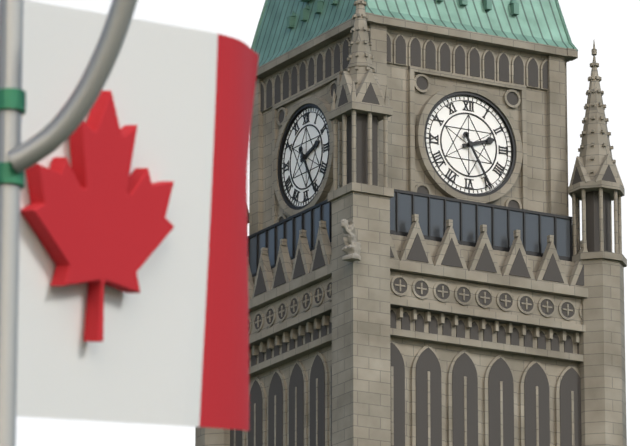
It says 2h25
